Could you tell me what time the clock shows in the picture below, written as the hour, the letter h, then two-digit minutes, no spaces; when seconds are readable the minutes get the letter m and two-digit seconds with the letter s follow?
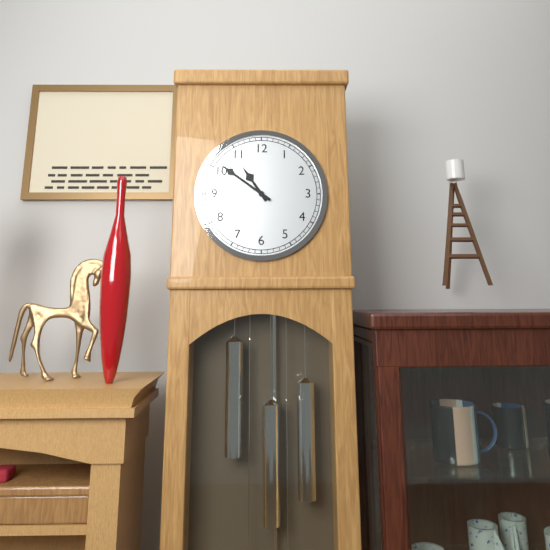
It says 10h51
